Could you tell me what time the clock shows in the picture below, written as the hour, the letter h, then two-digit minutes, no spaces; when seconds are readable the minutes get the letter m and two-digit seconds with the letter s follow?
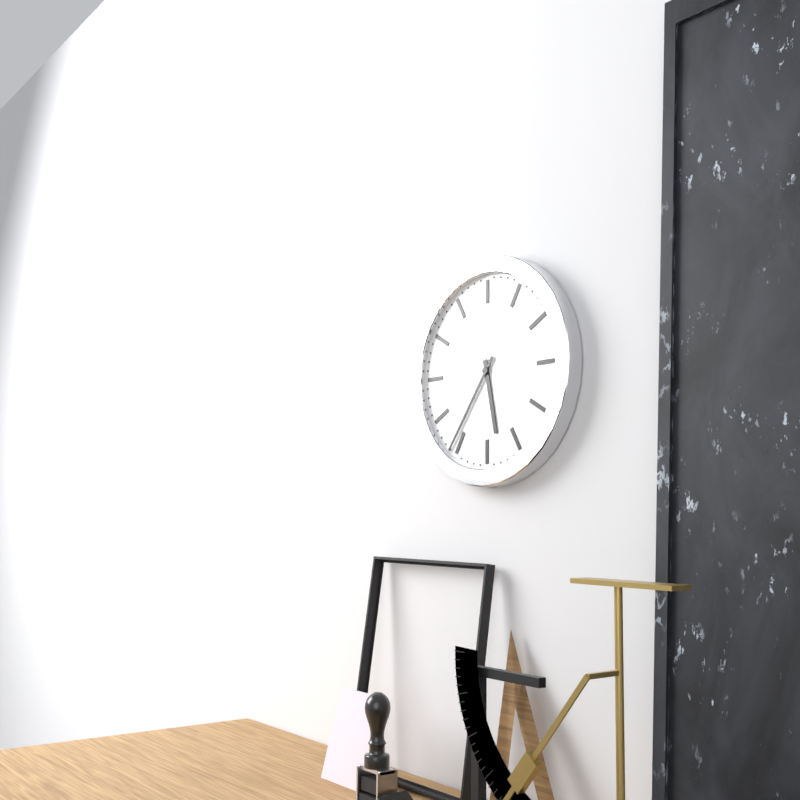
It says 5h36
